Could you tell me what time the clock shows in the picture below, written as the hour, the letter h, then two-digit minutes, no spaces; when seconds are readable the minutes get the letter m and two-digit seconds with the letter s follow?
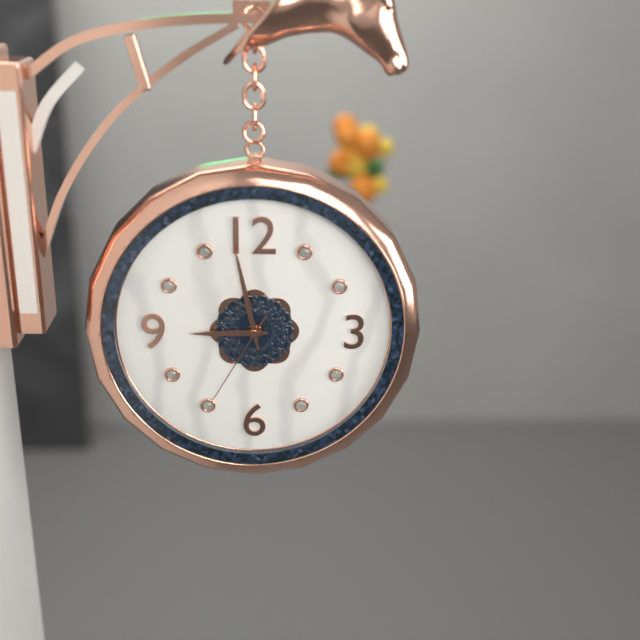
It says 8h58m35s
